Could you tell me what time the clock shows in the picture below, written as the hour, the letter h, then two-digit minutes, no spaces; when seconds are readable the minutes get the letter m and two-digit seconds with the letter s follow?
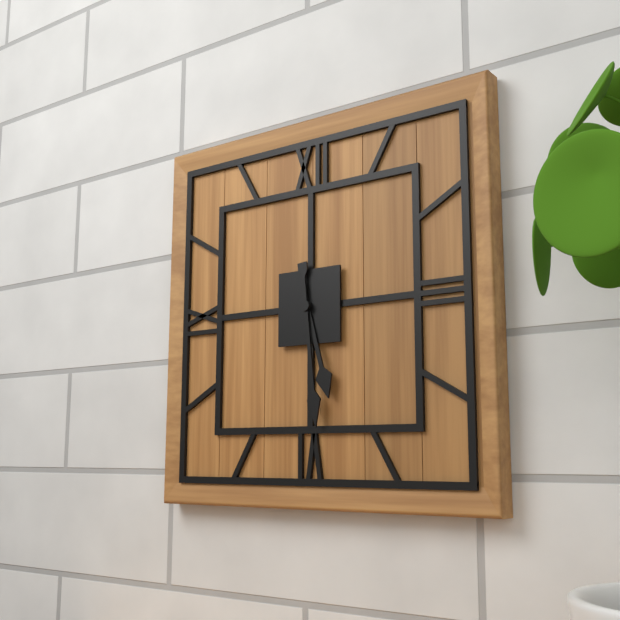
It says 5h29
